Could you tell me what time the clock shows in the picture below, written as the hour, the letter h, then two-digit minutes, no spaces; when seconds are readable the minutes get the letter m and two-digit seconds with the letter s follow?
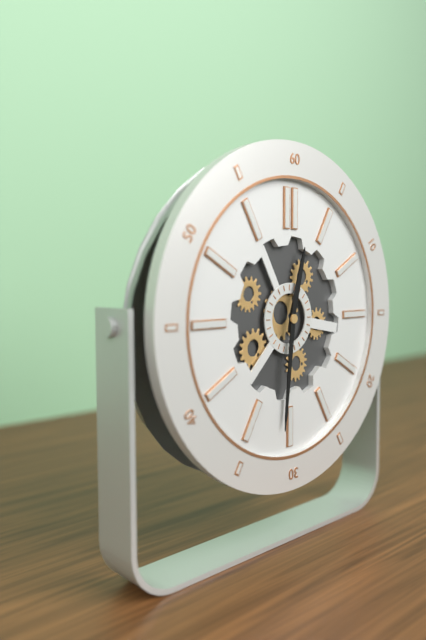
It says 12h31
